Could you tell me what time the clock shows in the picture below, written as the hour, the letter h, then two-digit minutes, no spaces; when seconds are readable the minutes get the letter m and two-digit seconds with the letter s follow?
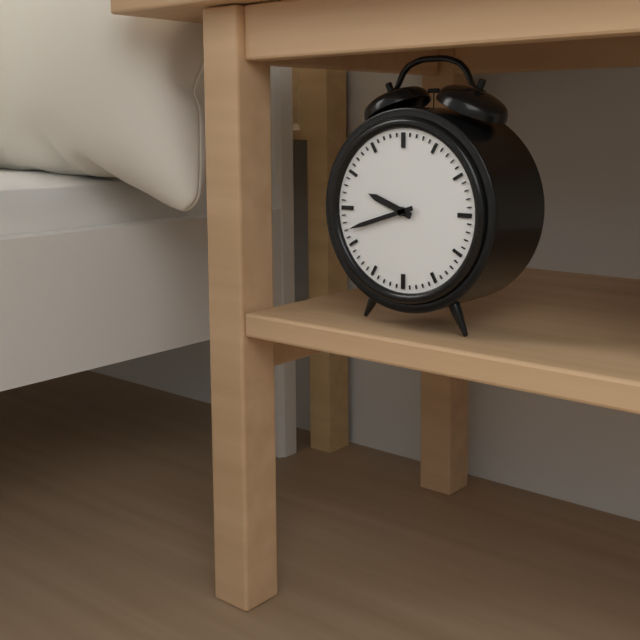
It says 9h42
